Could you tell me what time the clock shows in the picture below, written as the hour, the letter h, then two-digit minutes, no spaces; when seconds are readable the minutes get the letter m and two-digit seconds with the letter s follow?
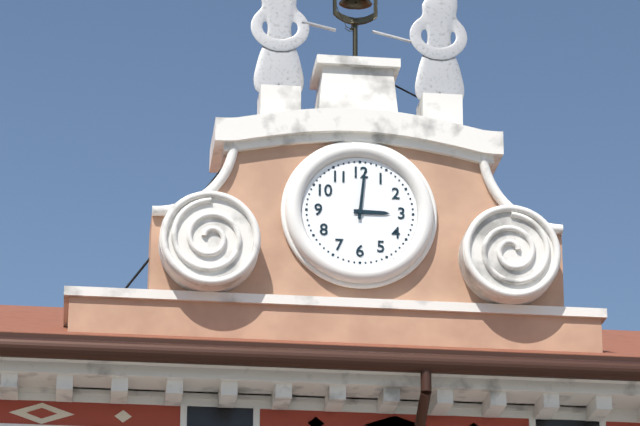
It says 3h01
